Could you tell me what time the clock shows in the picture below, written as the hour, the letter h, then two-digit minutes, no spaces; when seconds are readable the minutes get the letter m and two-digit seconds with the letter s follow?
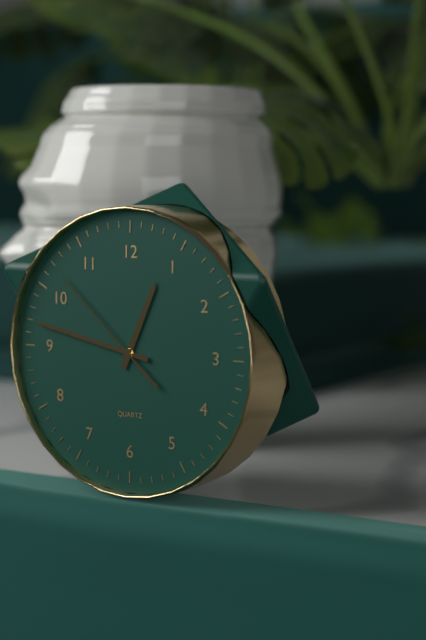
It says 12h47m52s
